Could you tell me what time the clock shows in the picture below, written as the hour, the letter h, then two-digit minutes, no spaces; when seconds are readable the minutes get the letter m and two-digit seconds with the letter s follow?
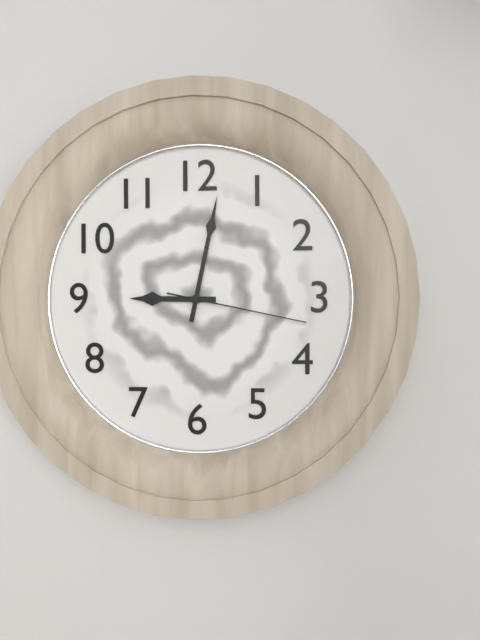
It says 9h02m17s
